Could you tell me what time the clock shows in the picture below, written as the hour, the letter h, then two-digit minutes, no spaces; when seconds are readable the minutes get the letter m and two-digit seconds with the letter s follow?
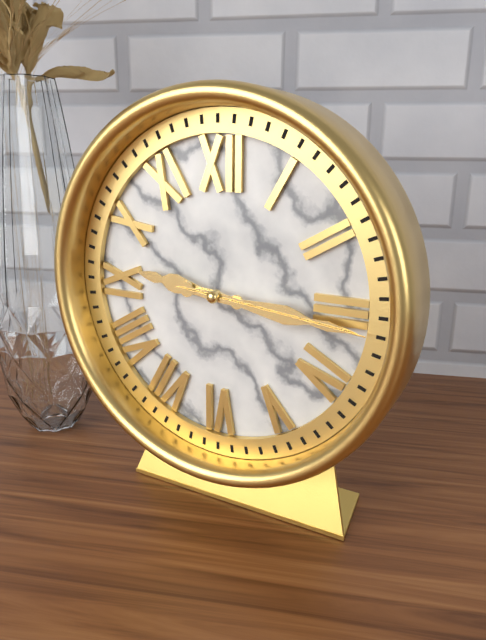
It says 9h16m16s
